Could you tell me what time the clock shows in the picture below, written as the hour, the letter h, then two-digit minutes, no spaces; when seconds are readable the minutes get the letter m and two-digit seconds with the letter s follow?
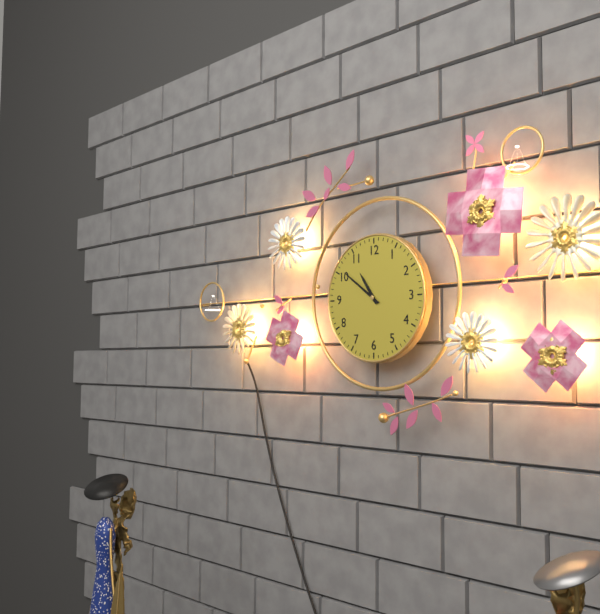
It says 10h51
